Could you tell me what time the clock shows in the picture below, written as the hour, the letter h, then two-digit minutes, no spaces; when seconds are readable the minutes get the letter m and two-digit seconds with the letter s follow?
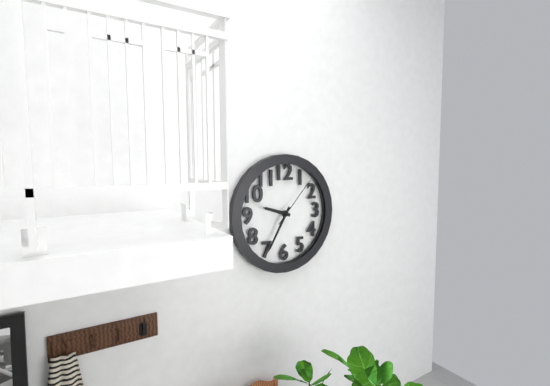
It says 9h35m07s
